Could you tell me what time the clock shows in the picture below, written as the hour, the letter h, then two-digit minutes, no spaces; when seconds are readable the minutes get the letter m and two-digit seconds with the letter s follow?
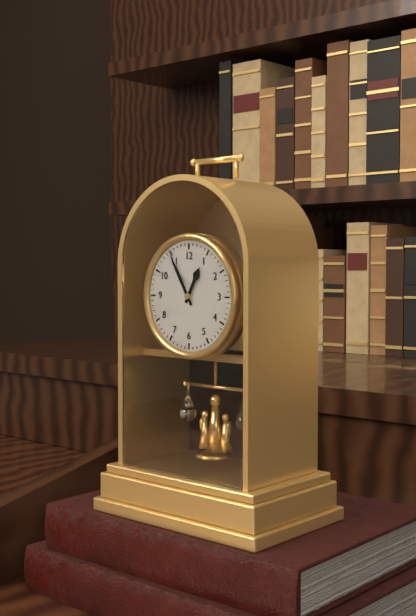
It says 12h55
